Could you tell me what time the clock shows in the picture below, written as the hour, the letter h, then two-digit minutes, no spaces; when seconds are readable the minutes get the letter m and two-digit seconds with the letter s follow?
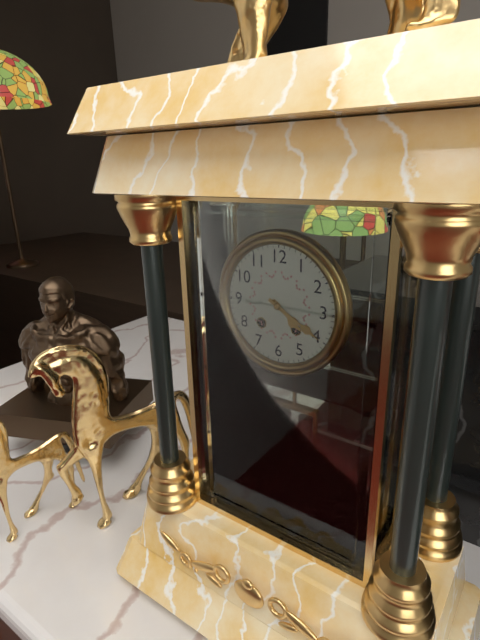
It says 4h20
